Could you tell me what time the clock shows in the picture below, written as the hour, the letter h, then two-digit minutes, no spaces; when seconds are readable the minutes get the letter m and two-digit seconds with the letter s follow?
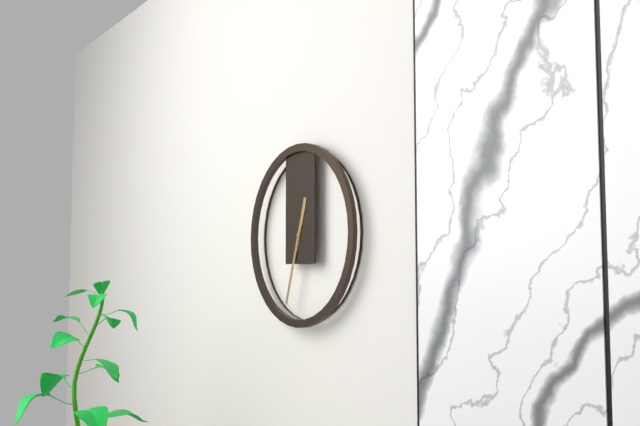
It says 12h33
